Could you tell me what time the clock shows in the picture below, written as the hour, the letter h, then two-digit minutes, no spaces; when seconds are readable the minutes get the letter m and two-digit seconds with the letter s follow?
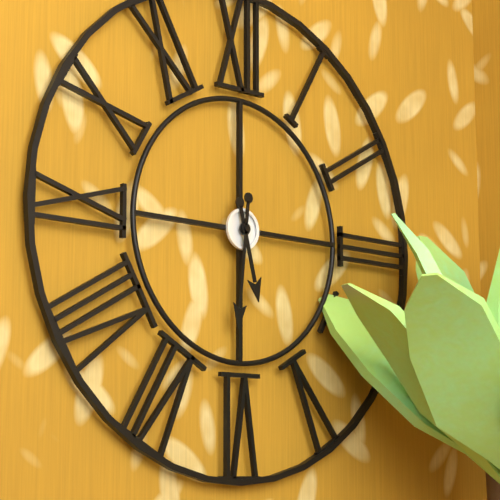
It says 5h31
